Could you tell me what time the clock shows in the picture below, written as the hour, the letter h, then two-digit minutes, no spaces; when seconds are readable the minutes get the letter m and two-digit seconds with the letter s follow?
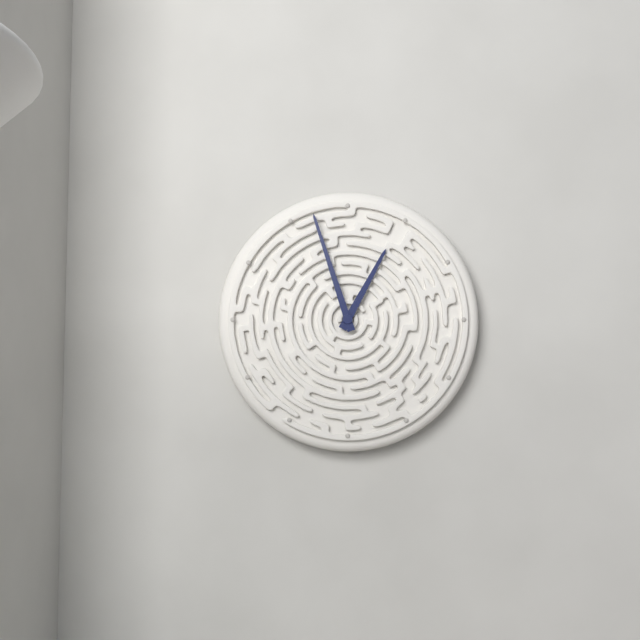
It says 12h57
